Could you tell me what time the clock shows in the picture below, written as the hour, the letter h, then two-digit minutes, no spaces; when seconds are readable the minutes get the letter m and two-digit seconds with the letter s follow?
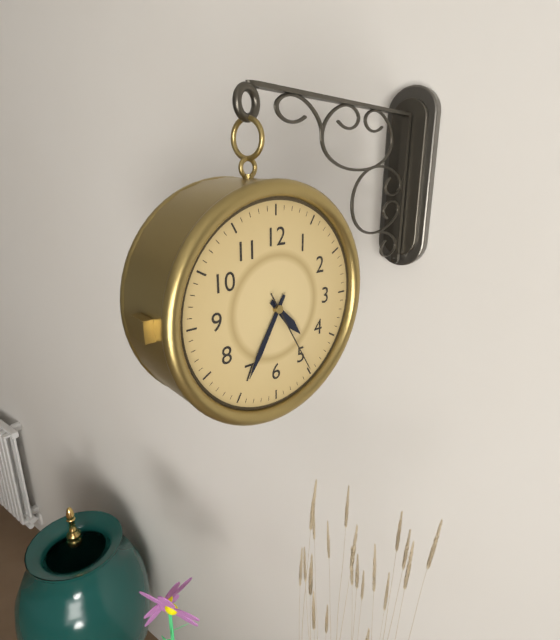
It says 4h35m25s
